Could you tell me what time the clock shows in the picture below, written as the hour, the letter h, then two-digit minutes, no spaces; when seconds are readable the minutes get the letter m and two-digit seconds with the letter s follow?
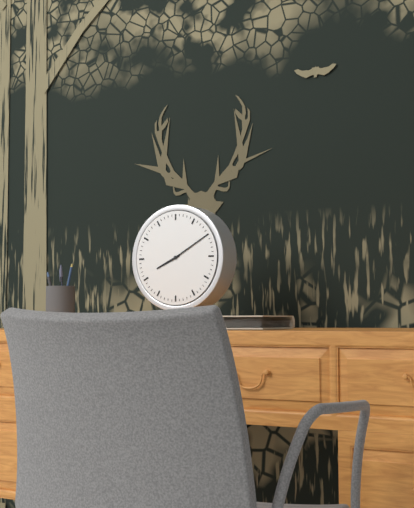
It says 8h10
